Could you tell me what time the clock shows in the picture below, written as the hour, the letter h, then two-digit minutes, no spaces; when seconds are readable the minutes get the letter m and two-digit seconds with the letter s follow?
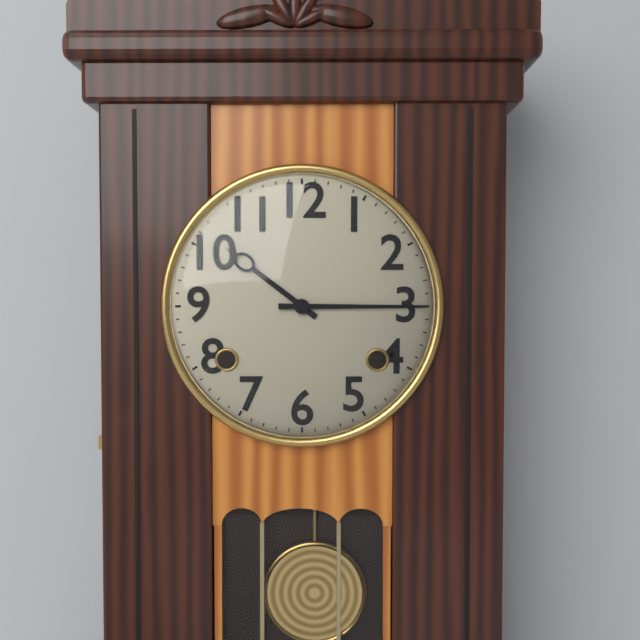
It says 10h15
